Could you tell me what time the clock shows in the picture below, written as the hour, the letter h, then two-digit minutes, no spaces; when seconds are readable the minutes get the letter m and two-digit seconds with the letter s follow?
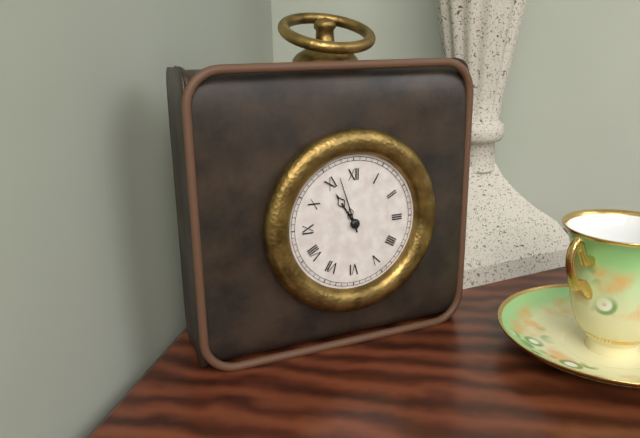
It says 10h57
